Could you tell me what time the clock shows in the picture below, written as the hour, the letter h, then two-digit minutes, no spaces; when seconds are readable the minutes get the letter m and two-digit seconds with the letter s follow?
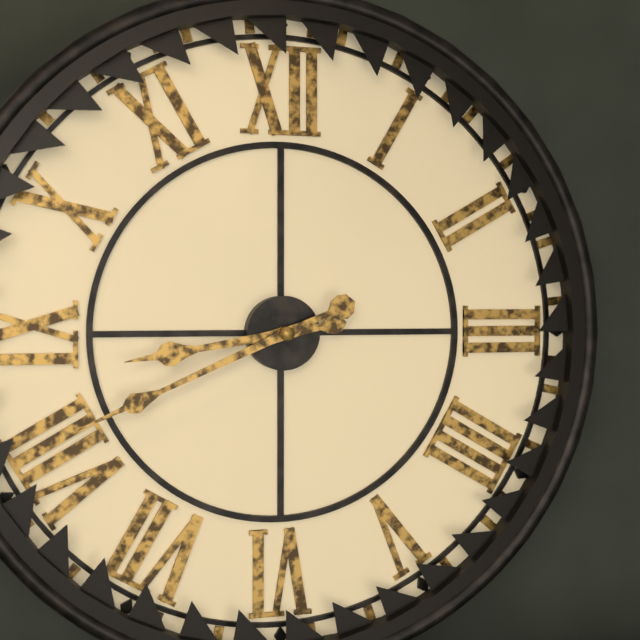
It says 8h41
